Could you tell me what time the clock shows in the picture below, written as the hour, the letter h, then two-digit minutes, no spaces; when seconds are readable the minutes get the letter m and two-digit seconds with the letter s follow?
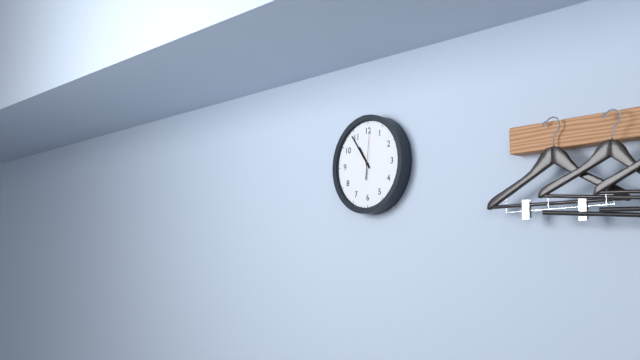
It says 10h54
